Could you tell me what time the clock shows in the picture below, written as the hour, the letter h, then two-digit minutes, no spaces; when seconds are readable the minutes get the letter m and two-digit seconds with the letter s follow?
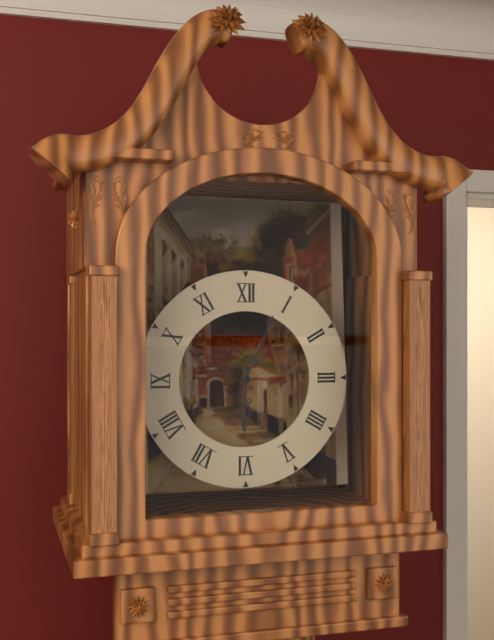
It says 6h04
